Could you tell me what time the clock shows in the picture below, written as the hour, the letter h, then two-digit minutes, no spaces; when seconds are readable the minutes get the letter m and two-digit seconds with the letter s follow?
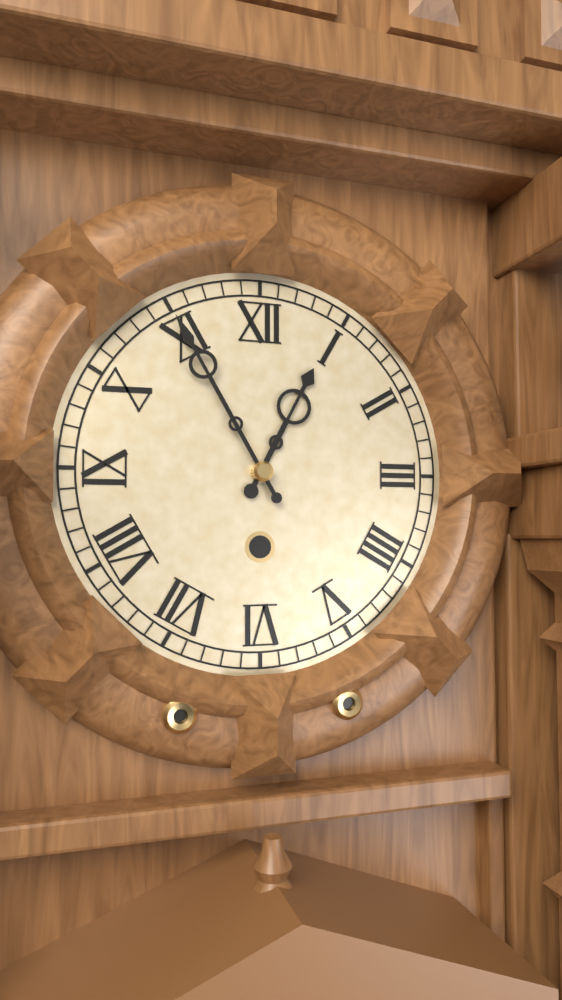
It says 12h55
